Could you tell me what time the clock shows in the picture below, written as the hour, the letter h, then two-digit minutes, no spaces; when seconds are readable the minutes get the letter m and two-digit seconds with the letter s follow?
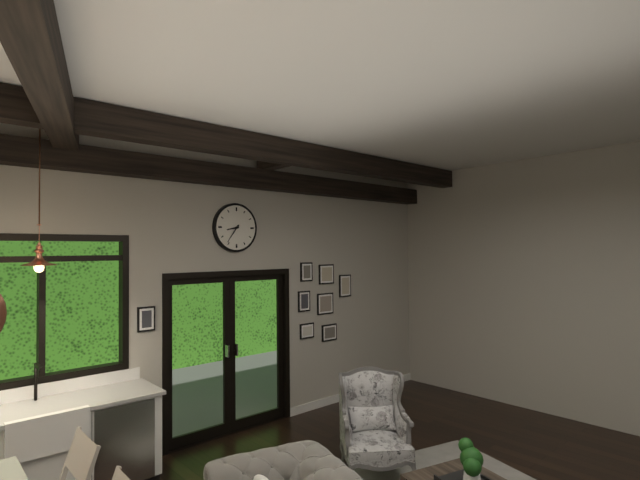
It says 8h36
